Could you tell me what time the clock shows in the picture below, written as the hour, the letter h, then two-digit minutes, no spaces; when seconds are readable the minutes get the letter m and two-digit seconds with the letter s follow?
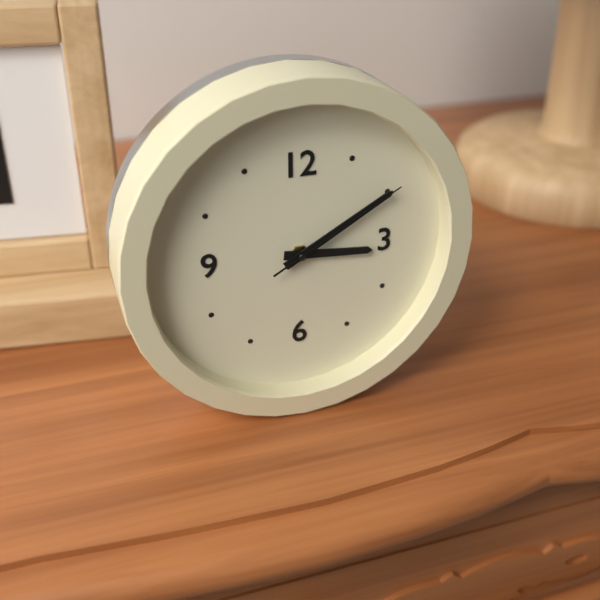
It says 3h10m10s
